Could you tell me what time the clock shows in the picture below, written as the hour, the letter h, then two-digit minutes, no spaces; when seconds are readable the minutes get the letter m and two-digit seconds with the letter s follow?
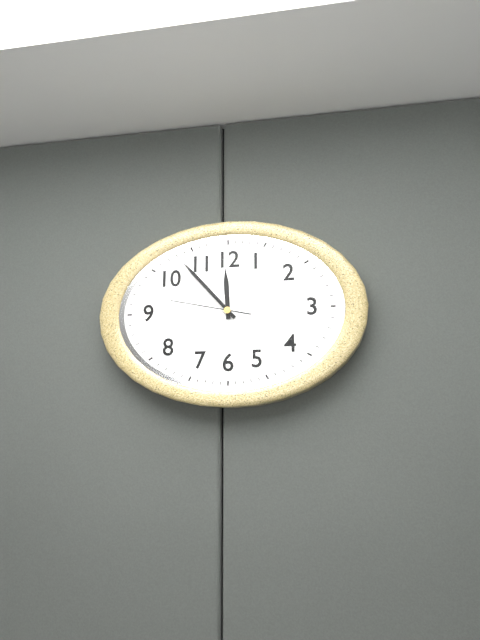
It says 11h53m47s
